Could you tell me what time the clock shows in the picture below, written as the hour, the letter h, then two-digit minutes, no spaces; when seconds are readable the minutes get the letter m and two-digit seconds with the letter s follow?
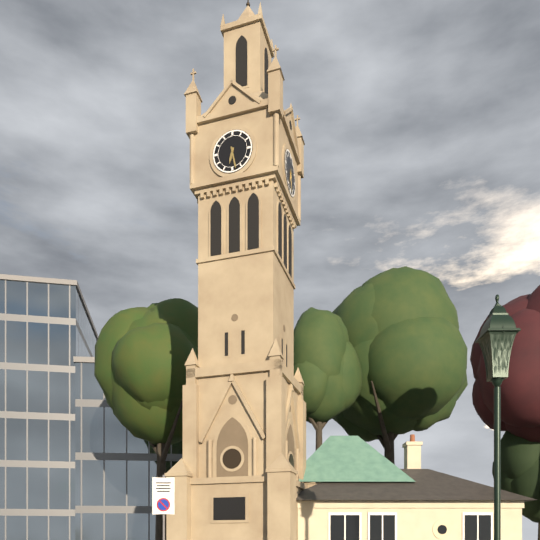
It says 6h28
